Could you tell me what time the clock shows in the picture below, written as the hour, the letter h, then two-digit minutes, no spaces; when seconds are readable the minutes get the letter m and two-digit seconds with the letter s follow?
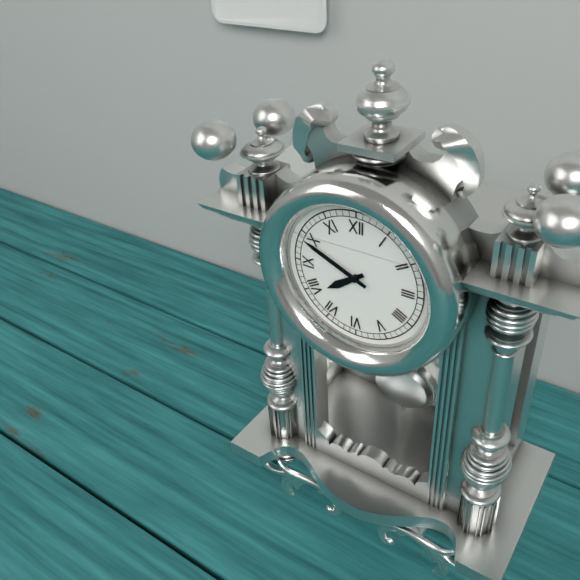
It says 7h49
